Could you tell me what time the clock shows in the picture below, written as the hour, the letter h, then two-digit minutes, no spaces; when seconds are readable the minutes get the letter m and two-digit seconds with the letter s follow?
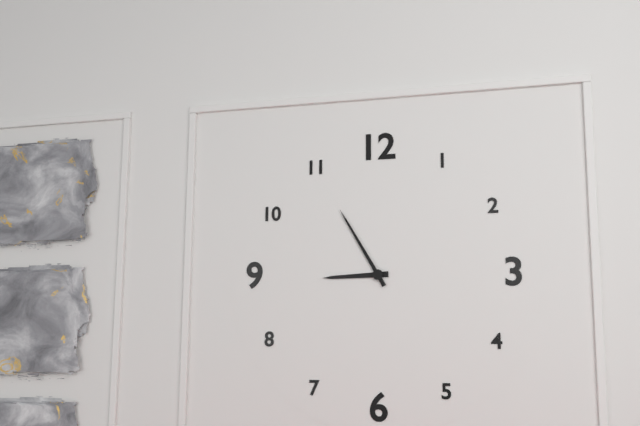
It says 8h55
